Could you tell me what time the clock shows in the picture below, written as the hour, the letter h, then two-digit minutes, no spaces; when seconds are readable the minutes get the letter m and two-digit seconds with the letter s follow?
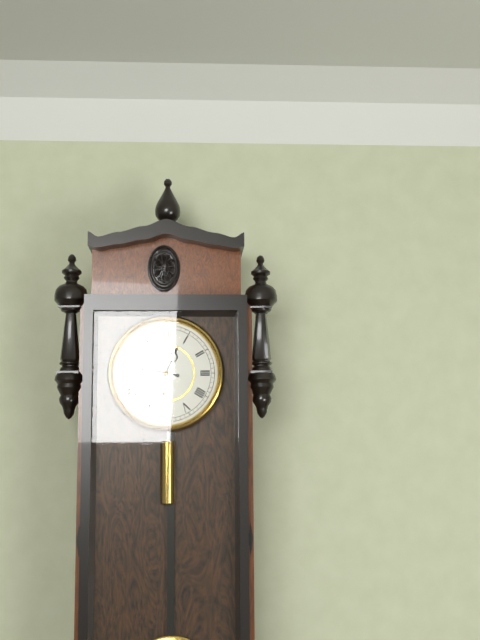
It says 12h47
